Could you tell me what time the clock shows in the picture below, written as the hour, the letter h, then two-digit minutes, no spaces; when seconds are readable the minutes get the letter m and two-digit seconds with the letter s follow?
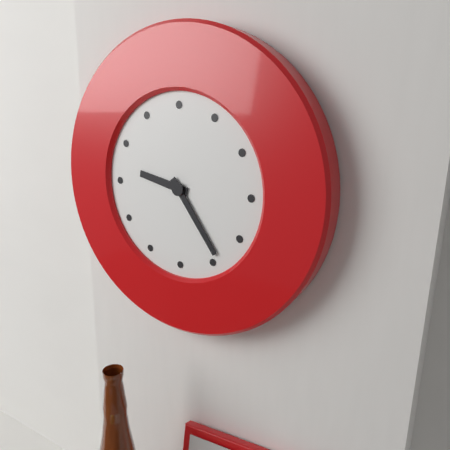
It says 9h24
